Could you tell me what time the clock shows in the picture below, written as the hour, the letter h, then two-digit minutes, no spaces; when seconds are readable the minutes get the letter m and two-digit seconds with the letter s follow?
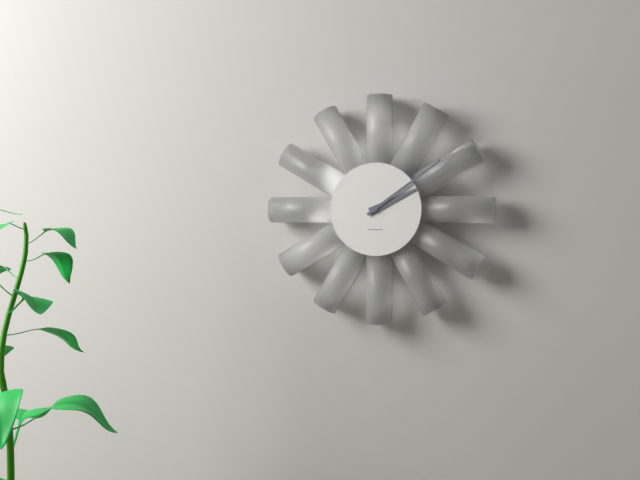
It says 2h09
